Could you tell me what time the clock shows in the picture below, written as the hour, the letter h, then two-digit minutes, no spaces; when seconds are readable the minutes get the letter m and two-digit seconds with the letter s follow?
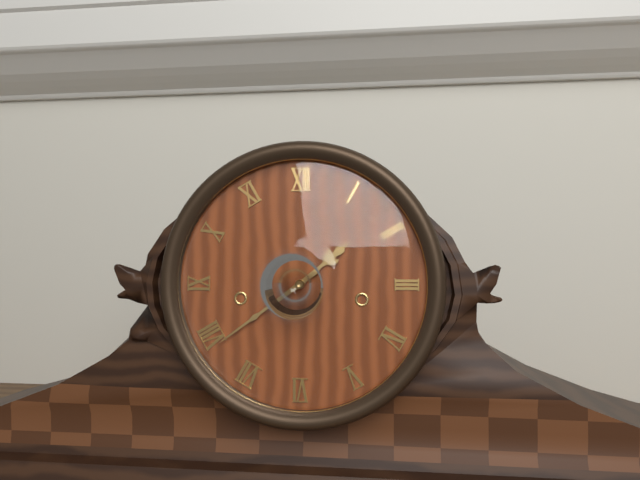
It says 1h39
